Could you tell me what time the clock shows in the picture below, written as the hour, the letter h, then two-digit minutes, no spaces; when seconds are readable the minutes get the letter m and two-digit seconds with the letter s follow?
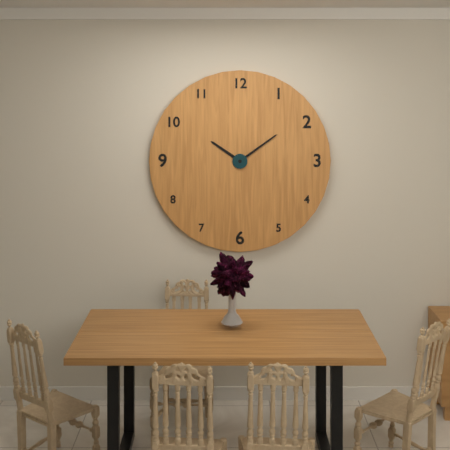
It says 10h09
